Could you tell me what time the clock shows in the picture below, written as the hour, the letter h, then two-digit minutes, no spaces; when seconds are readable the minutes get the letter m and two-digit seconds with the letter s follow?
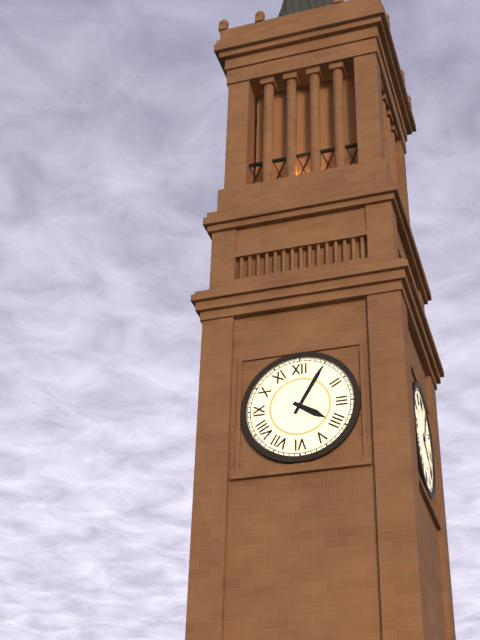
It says 4h05
